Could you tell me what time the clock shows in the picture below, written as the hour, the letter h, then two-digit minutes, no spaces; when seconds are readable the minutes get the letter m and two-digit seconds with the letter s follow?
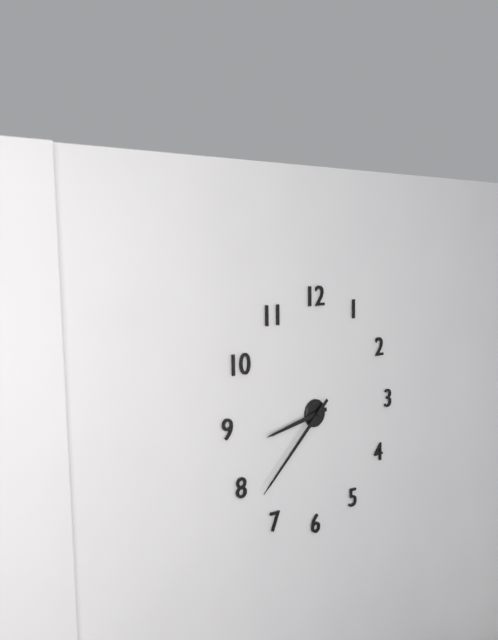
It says 8h38
